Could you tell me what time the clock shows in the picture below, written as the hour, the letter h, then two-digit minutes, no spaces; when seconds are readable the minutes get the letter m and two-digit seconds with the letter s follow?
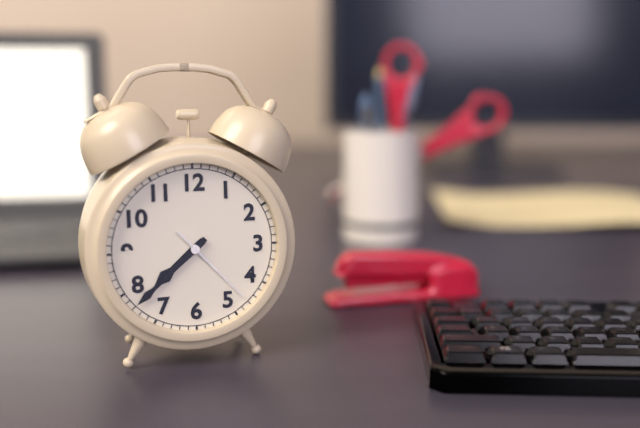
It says 7h38m23s
